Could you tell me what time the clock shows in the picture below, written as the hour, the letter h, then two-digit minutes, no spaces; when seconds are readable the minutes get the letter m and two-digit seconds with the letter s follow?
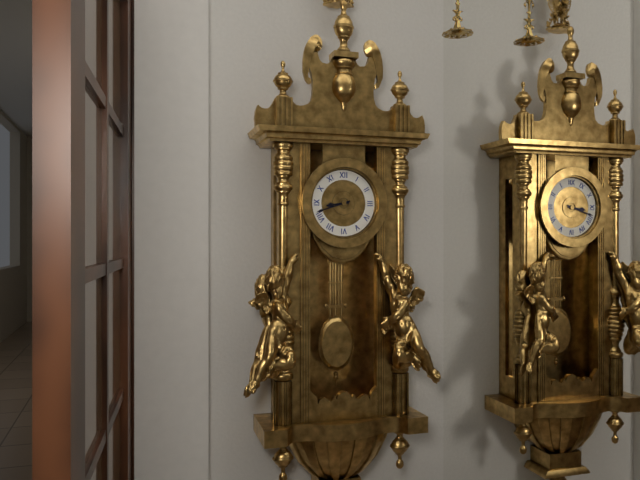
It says 8h42
